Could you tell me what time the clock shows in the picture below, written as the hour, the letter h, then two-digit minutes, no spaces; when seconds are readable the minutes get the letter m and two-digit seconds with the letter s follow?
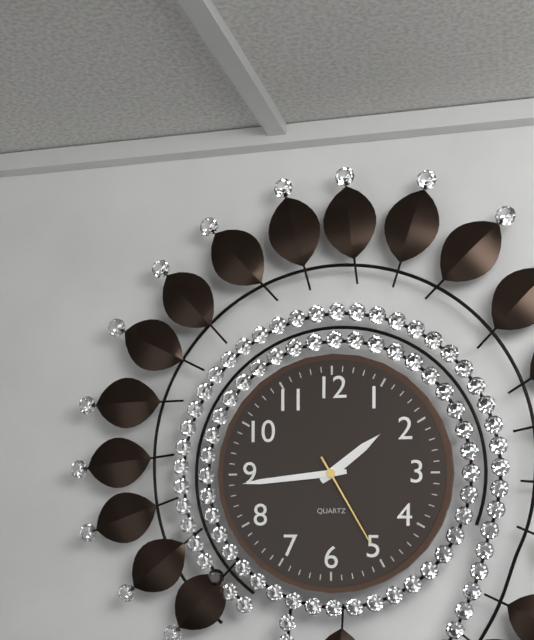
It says 1h44m25s
